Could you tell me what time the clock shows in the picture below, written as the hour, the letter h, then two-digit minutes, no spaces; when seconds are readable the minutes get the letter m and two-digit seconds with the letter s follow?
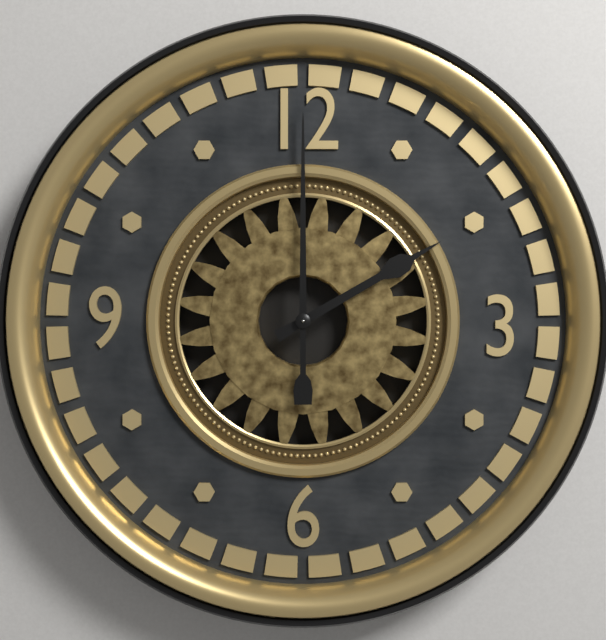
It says 2h00
